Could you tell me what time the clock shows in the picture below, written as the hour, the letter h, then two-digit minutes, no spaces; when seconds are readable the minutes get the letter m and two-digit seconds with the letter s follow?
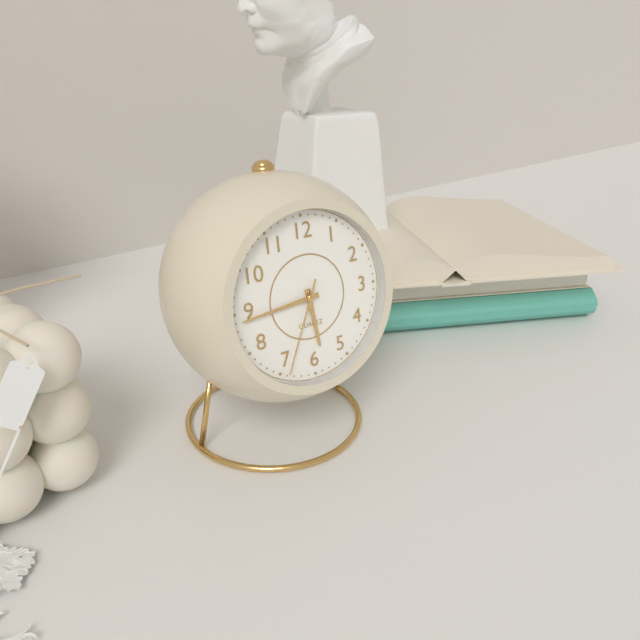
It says 5h44m34s
